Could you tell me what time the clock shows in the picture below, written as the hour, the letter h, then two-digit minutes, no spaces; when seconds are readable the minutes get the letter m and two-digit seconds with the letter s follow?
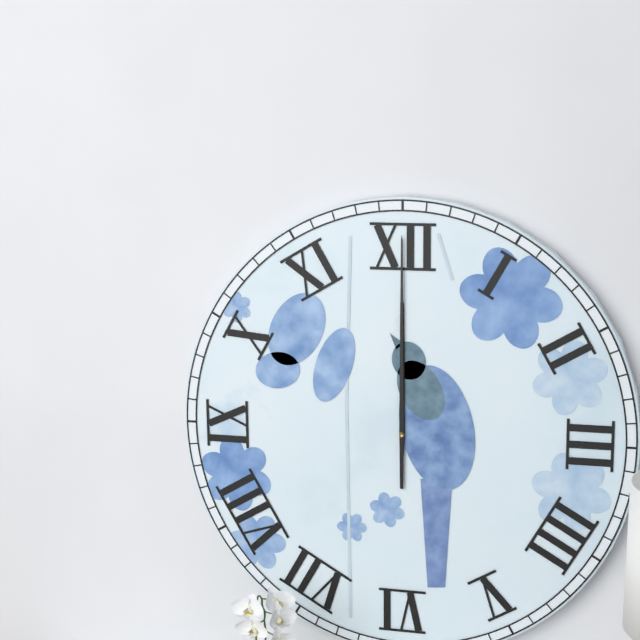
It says 12h00
